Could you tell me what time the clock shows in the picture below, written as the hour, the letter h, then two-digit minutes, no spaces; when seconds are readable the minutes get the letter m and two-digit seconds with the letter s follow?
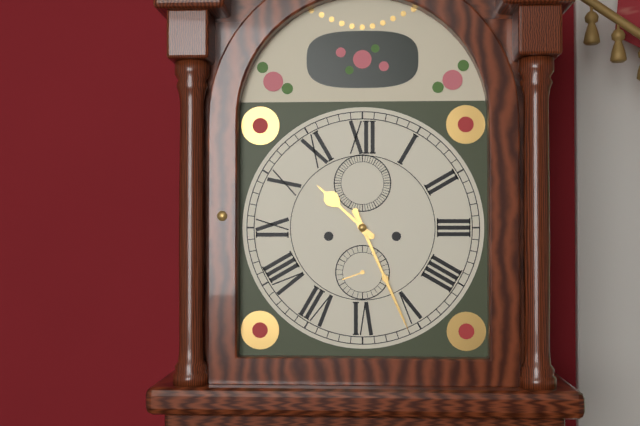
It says 10h26
